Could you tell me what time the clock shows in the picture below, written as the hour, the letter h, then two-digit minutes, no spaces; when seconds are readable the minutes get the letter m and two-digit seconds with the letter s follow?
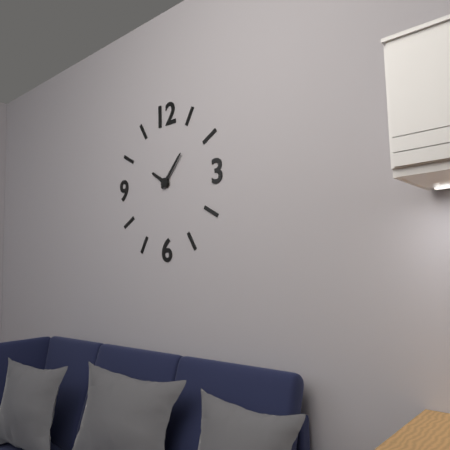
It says 10h07
